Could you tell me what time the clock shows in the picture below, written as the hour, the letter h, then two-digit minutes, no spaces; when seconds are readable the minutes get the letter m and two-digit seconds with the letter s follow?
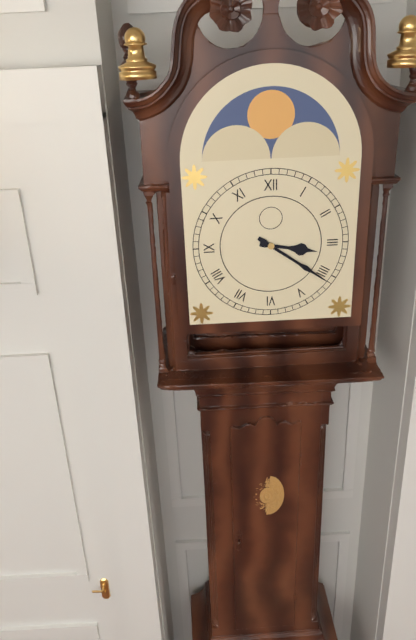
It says 3h21
